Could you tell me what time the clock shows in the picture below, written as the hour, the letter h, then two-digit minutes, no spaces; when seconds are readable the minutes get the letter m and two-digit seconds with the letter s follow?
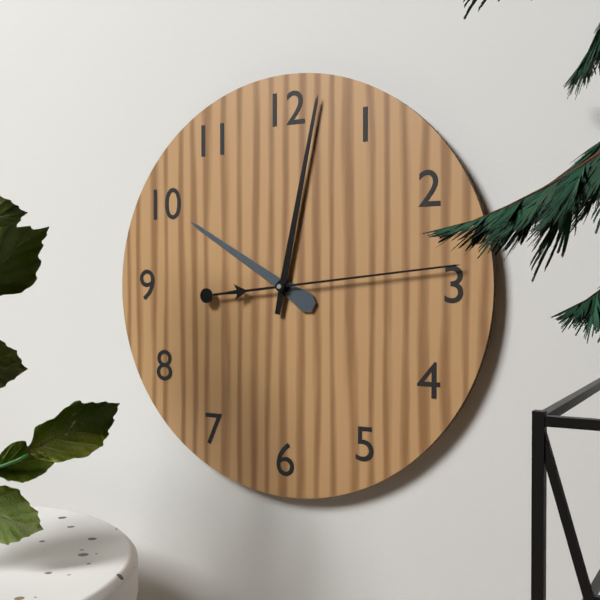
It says 10h02m14s
